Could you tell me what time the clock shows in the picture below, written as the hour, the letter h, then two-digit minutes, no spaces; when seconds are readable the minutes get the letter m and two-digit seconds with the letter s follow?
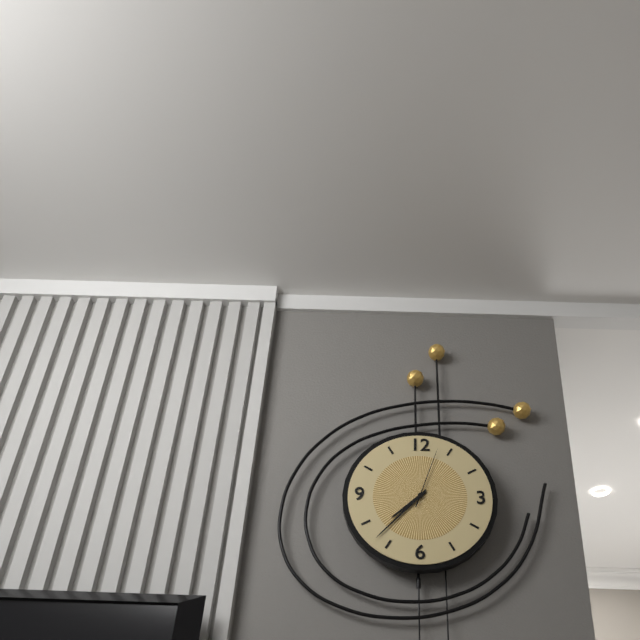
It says 7h37m03s
